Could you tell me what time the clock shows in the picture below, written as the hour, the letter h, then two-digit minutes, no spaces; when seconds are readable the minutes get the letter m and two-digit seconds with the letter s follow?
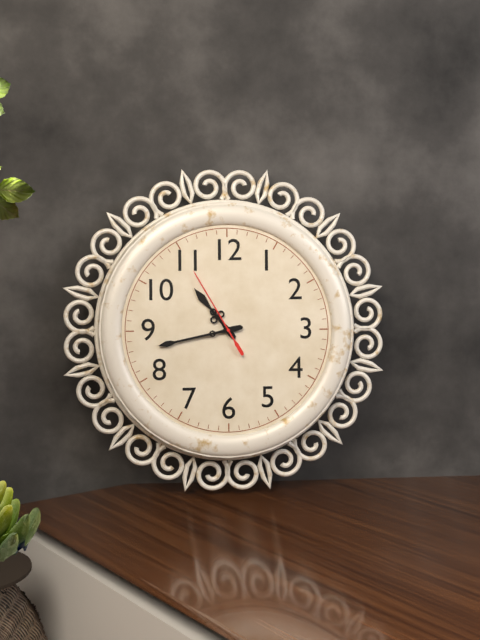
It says 10h43m55s
